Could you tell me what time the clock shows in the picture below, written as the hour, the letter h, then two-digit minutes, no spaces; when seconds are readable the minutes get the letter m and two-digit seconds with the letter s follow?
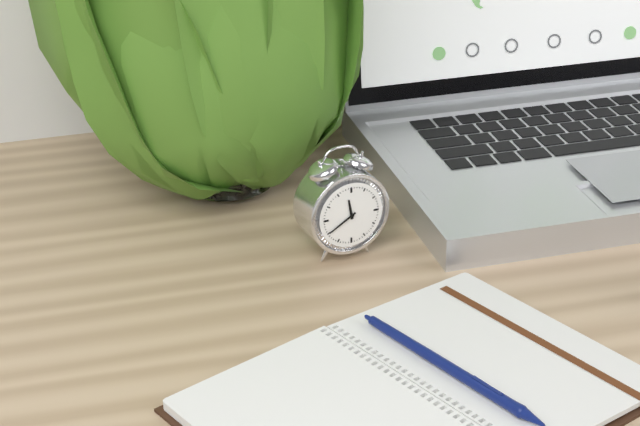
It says 11h40
